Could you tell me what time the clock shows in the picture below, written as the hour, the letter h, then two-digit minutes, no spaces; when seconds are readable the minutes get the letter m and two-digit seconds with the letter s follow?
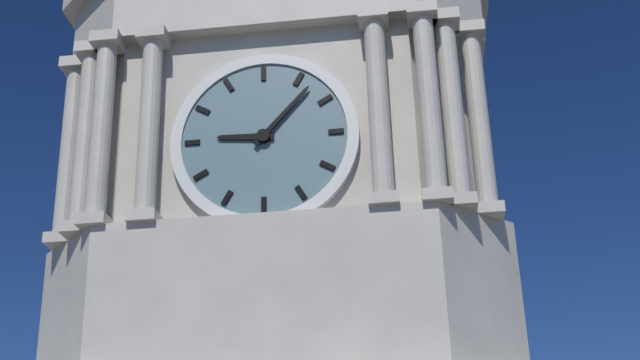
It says 9h07
